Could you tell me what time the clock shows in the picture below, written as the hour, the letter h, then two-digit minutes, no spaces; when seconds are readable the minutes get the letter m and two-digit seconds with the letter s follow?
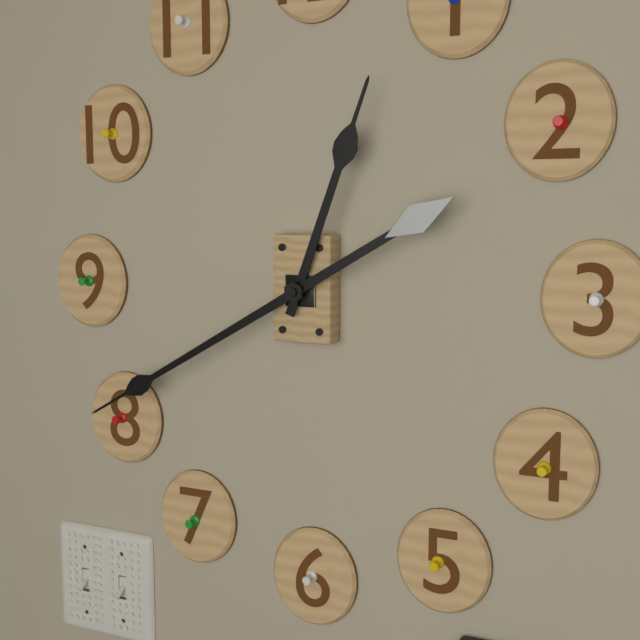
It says 12h40
